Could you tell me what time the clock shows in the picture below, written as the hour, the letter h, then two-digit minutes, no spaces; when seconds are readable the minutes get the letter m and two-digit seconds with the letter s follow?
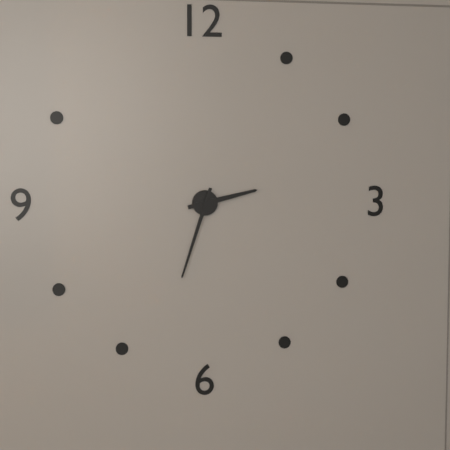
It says 2h33
